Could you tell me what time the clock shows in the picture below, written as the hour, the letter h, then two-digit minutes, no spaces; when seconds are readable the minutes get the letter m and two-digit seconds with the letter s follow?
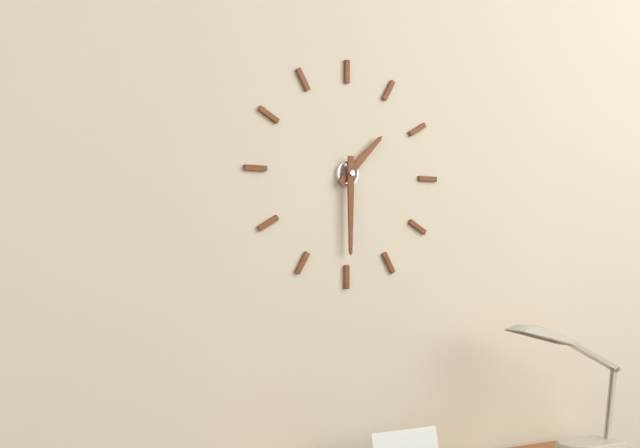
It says 1h30
